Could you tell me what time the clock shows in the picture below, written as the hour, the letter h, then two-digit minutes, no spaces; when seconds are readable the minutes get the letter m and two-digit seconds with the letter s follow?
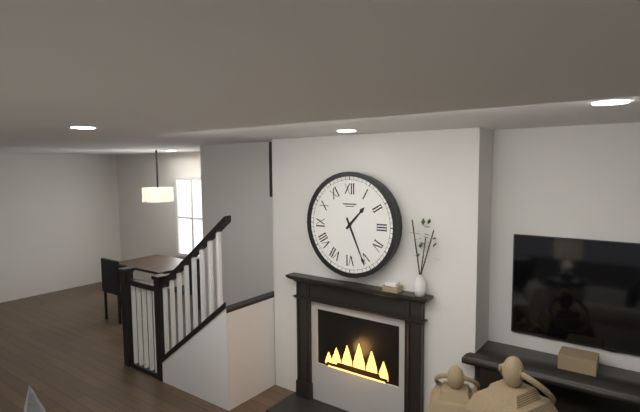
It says 1h26
